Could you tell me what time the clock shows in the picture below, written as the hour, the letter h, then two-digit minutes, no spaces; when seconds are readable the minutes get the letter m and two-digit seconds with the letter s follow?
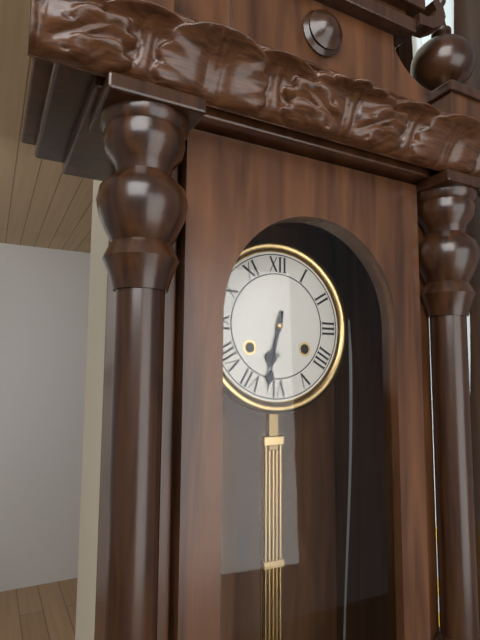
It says 6h32
